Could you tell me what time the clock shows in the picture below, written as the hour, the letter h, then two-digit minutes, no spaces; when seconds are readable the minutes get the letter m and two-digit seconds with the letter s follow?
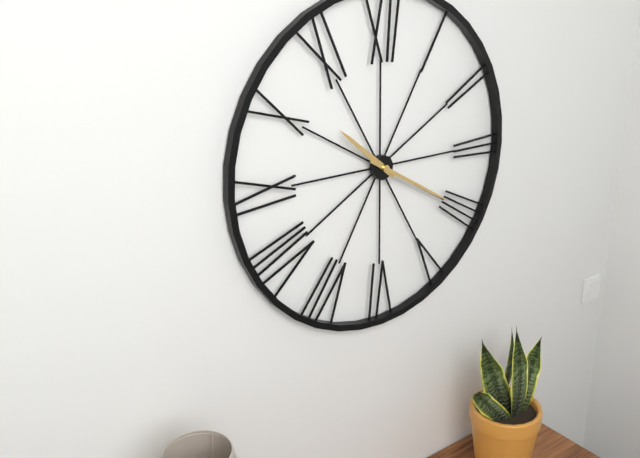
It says 10h20
